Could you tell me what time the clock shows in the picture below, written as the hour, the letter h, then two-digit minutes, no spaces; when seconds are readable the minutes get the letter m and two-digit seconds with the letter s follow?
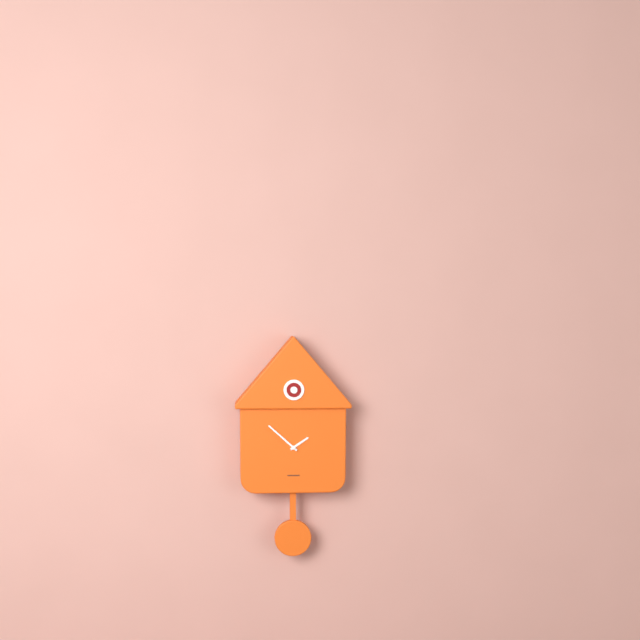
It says 1h52
